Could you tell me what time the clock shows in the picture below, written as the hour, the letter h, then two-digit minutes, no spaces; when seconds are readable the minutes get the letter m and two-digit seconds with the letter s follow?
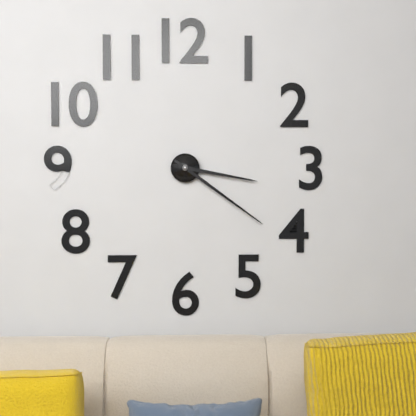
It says 3h21
